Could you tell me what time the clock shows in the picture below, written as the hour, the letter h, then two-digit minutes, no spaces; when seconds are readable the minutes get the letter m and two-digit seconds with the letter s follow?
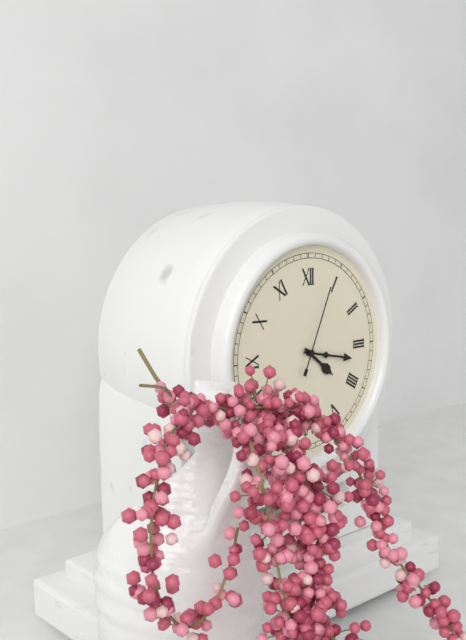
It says 4h17m04s
